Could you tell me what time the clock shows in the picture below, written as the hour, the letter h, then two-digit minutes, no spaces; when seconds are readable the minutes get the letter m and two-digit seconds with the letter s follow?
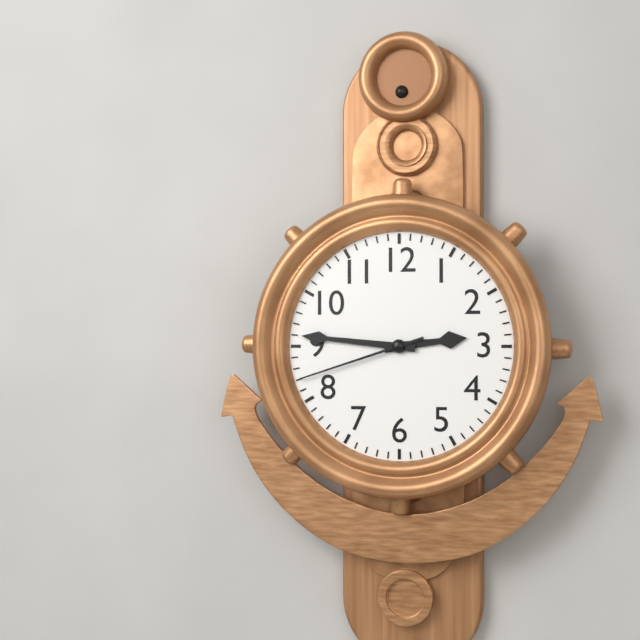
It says 2h46m42s
